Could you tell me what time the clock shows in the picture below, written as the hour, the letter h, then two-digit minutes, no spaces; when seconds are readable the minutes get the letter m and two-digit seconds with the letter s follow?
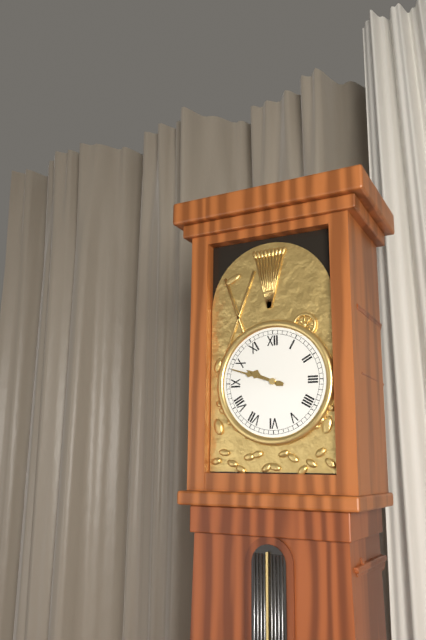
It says 9h48
